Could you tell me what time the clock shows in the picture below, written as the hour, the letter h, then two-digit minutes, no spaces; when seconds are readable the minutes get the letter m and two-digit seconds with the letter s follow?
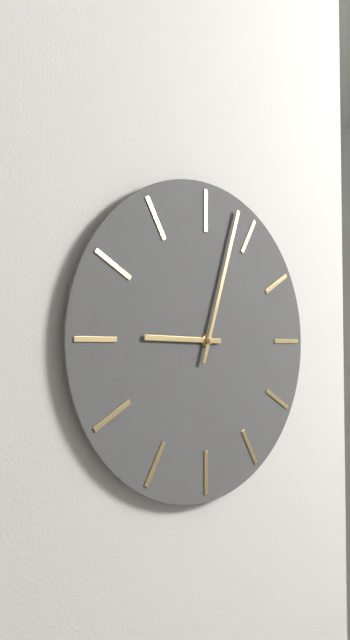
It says 9h03
